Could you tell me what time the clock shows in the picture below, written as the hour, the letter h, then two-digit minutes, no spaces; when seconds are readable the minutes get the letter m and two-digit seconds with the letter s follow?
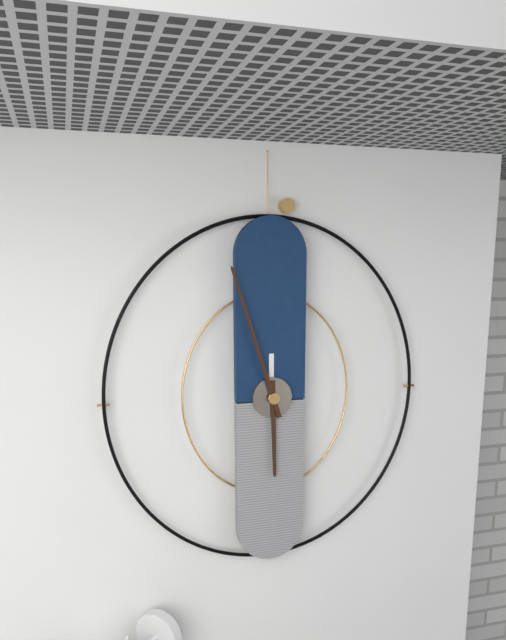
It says 5h57
